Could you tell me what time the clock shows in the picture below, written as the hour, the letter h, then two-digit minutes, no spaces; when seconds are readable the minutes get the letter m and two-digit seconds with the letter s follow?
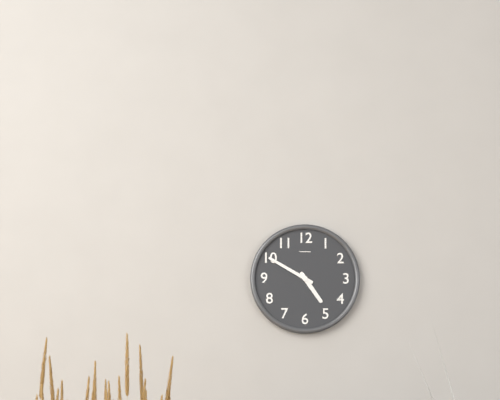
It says 4h50
